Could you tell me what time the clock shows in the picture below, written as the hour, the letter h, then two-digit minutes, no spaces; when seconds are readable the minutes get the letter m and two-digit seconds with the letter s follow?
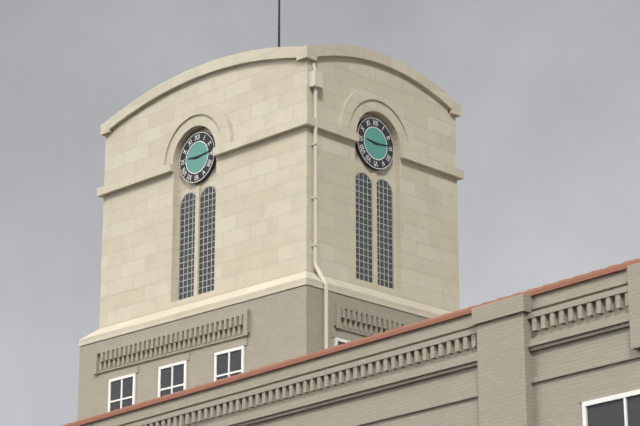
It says 9h14
